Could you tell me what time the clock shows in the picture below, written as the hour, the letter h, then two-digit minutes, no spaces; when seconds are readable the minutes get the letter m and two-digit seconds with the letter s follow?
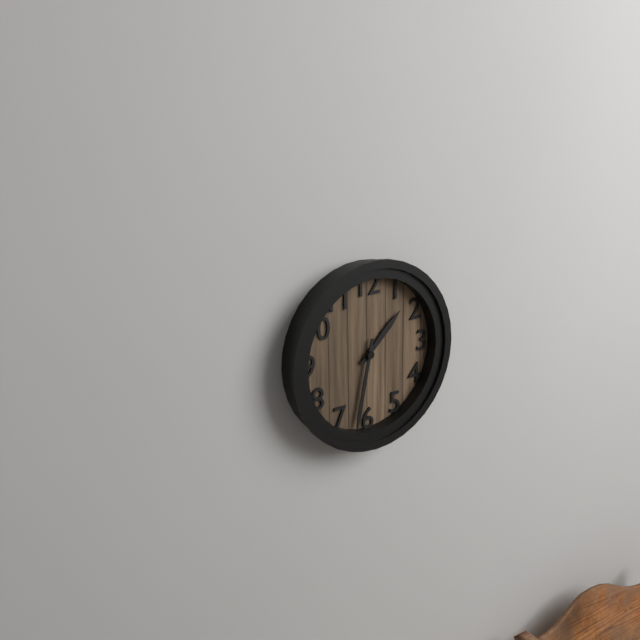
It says 1h32
